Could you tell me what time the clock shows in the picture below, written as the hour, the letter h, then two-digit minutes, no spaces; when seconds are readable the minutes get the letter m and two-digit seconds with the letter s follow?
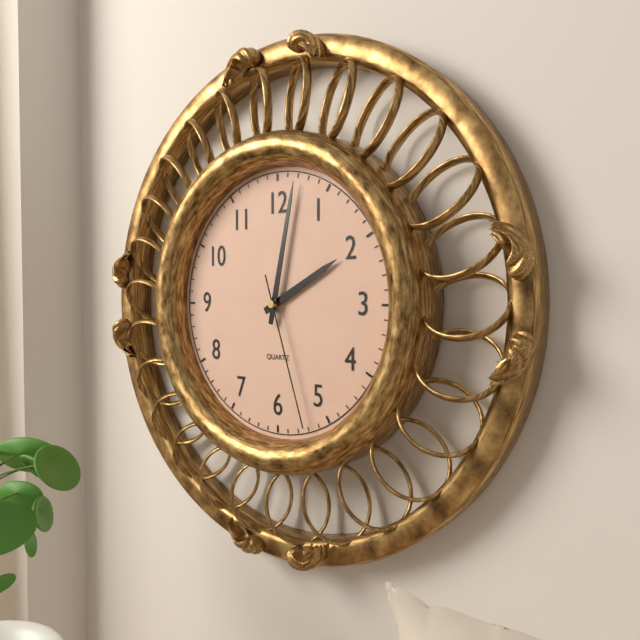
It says 2h02m27s
